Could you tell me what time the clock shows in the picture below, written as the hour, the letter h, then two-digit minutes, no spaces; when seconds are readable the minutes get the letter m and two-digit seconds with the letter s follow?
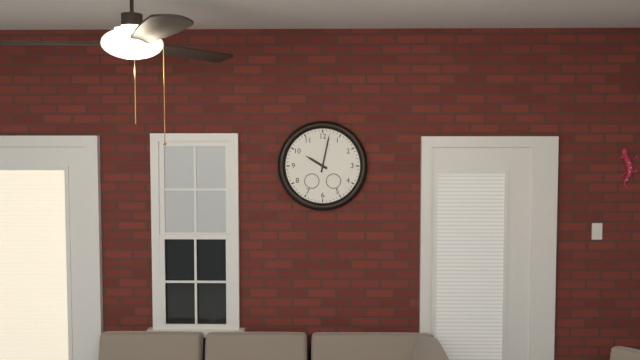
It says 10h02
